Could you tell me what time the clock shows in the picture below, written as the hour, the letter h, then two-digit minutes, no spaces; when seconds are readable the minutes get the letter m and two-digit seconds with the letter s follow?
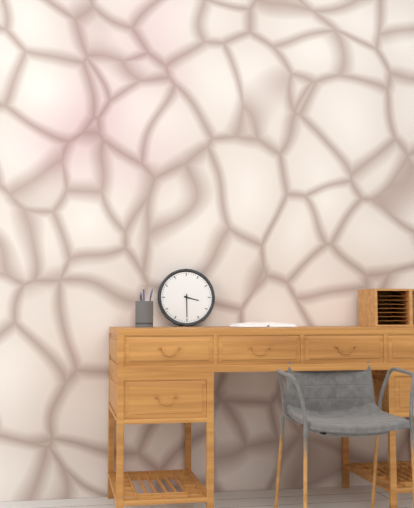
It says 3h30
